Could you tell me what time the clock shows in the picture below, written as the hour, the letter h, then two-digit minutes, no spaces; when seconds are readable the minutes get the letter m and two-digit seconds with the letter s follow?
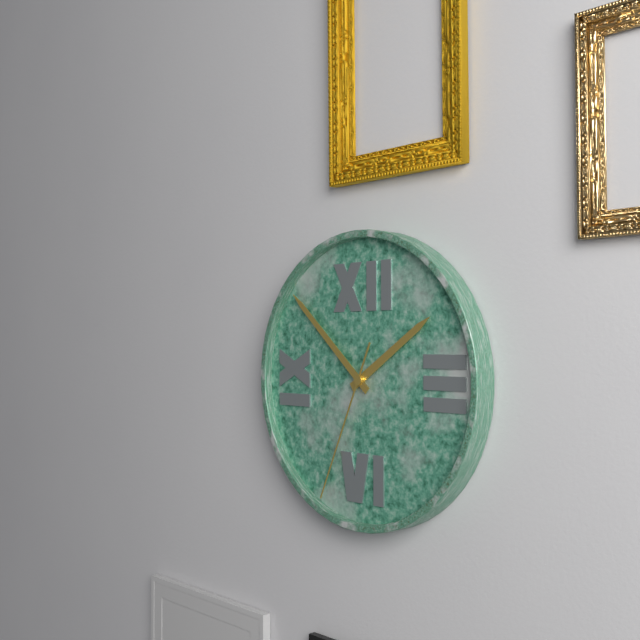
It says 1h52m34s
